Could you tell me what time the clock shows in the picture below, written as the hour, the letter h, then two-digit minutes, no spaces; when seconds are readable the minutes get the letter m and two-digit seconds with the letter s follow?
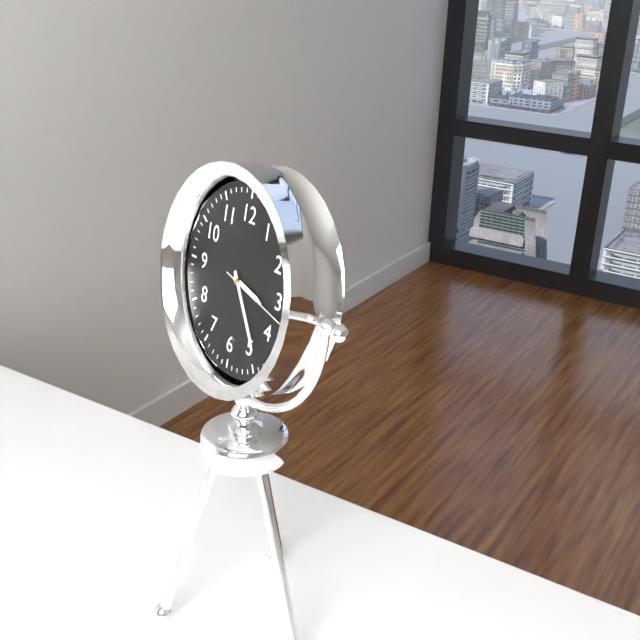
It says 3h24m17s
